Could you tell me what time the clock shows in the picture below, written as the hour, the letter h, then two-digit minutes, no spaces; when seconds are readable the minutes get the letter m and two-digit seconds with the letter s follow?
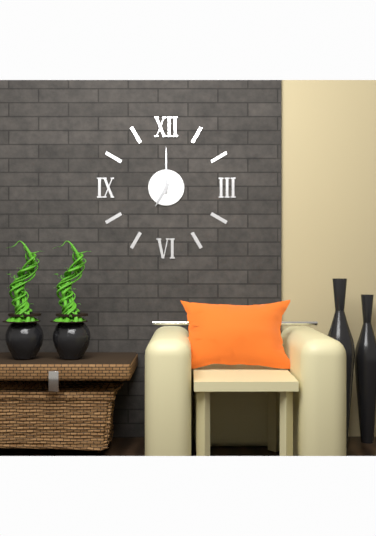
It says 7h00
